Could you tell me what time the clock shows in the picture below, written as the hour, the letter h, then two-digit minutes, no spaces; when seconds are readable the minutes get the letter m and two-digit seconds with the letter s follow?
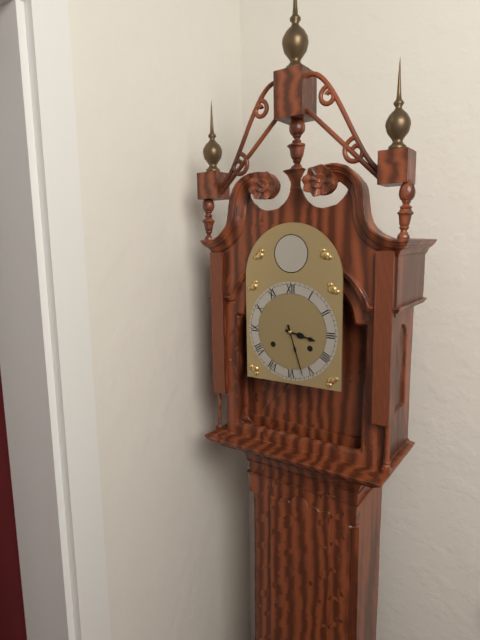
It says 3h27
